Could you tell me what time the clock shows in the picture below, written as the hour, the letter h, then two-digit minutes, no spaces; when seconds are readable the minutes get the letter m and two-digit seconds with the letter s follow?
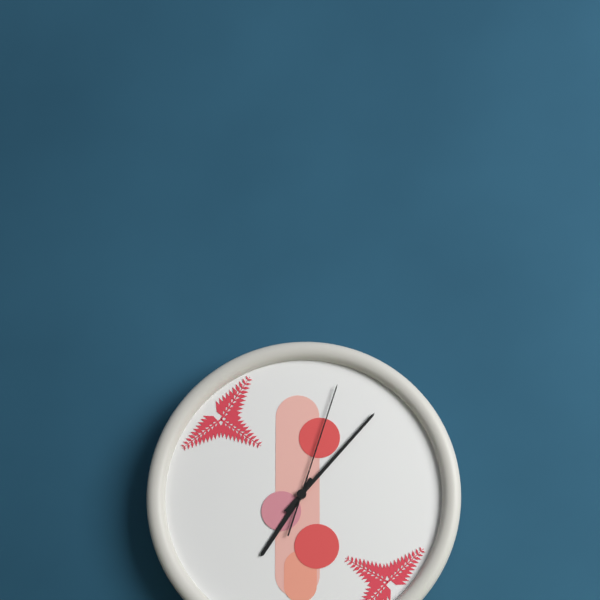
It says 7h07m03s
